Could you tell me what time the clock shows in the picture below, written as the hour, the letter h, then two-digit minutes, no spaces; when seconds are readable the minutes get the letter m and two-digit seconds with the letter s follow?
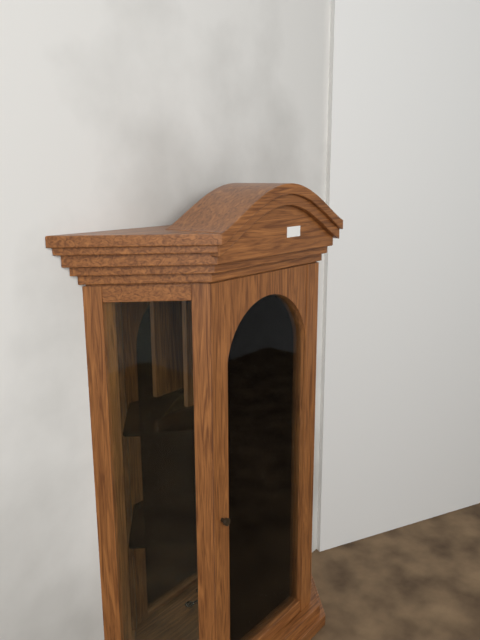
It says 6h11
